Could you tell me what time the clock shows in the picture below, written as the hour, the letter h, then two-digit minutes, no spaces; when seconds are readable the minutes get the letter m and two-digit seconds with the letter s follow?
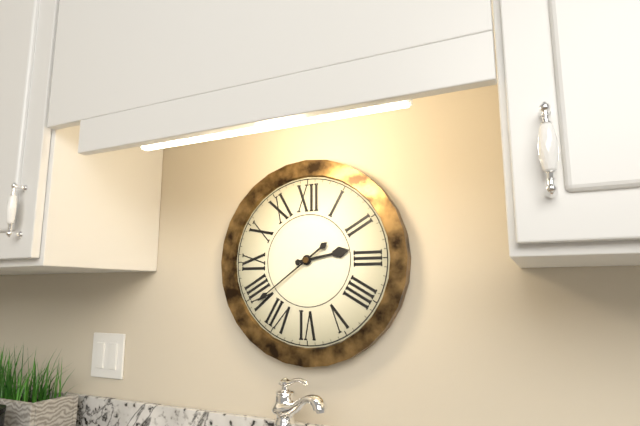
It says 2h39
